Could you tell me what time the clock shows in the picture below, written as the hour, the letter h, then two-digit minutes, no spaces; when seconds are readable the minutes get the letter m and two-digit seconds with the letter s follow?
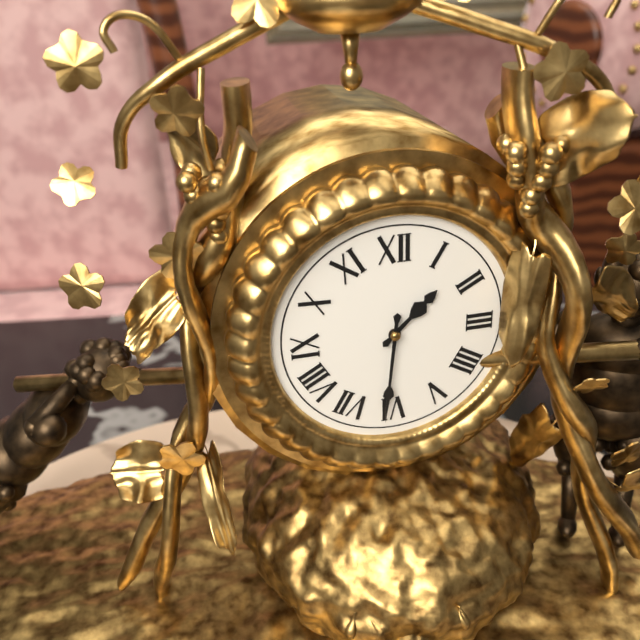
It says 1h31
